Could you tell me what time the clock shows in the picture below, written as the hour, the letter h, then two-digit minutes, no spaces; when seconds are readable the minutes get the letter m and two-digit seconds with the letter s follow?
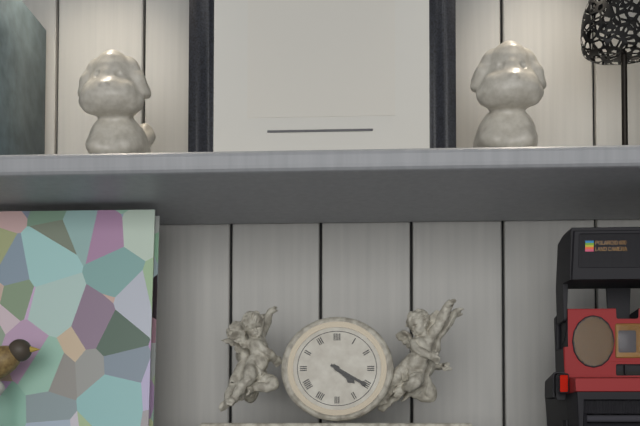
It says 4h20
